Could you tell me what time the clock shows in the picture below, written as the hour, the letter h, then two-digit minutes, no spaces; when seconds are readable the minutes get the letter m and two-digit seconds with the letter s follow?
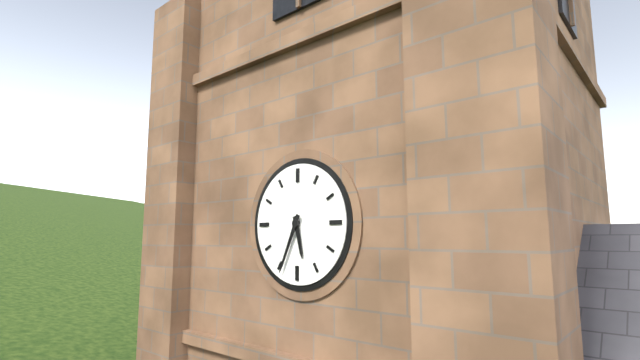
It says 5h34
